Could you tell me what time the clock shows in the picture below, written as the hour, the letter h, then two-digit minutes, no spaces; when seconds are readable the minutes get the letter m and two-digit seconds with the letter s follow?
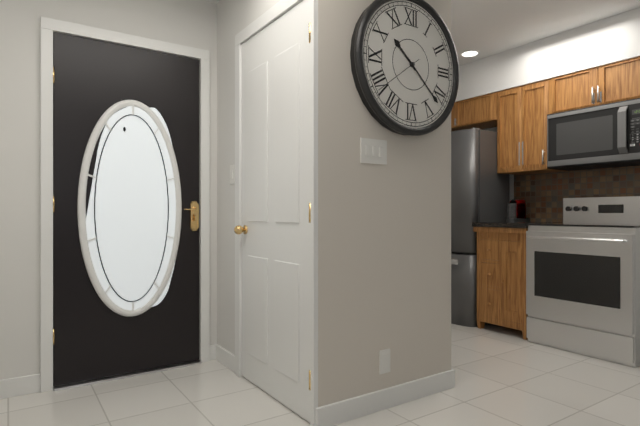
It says 10h22m39s
